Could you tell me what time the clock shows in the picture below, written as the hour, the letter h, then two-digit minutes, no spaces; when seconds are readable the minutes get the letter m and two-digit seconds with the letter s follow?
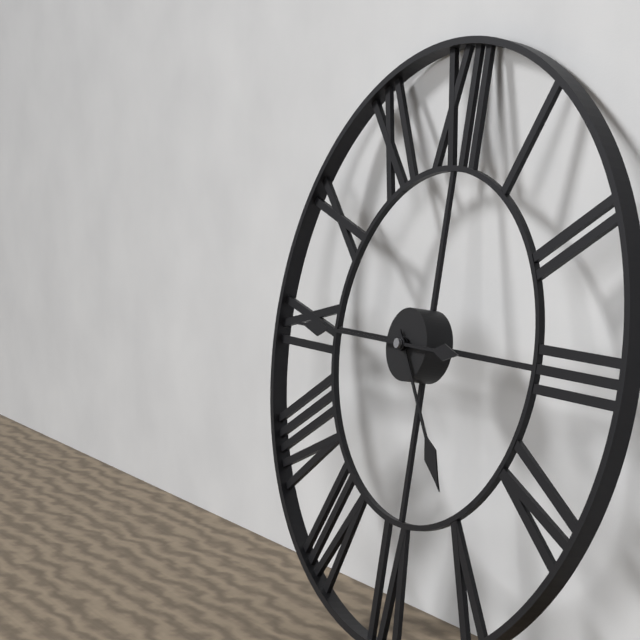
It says 4h45
